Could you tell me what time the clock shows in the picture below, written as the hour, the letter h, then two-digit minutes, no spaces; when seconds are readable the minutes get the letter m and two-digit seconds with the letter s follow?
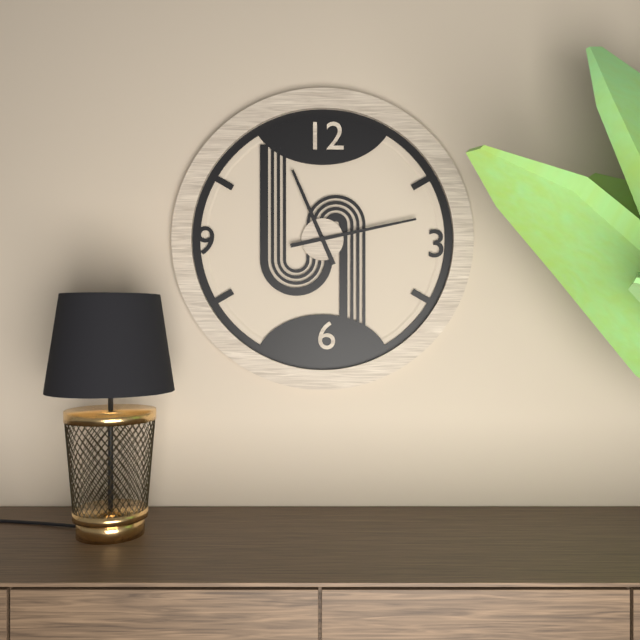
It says 11h13
